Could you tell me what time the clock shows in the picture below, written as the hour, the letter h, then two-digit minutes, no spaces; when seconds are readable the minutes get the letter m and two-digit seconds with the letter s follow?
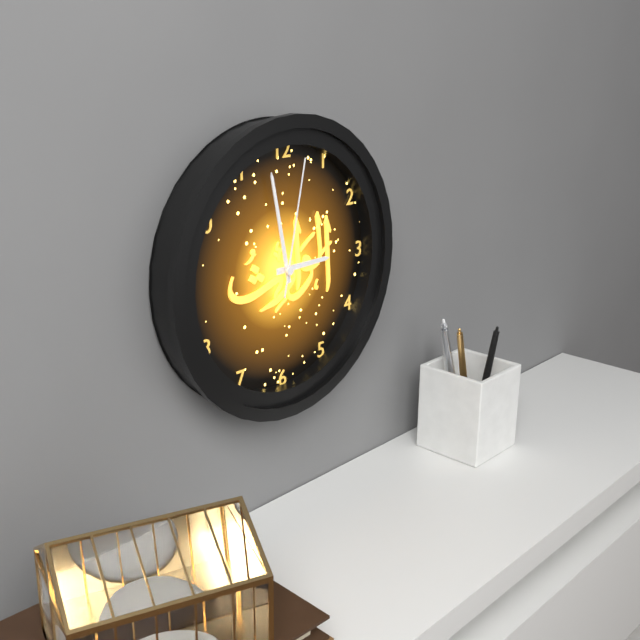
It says 2h58m02s
